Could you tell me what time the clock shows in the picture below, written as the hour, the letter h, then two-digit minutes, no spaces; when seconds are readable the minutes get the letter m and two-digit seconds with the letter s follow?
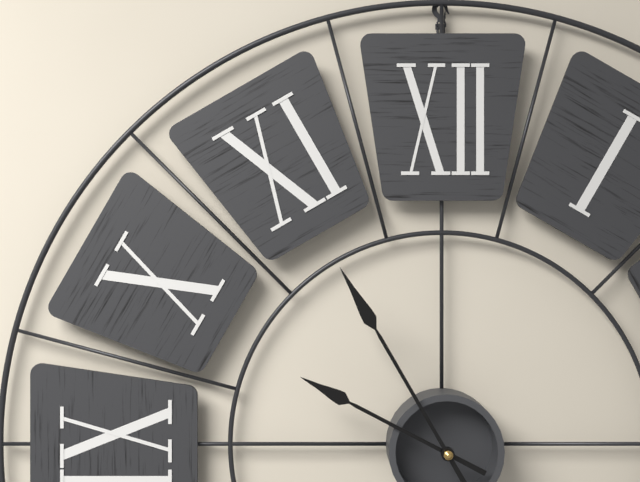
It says 9h55
